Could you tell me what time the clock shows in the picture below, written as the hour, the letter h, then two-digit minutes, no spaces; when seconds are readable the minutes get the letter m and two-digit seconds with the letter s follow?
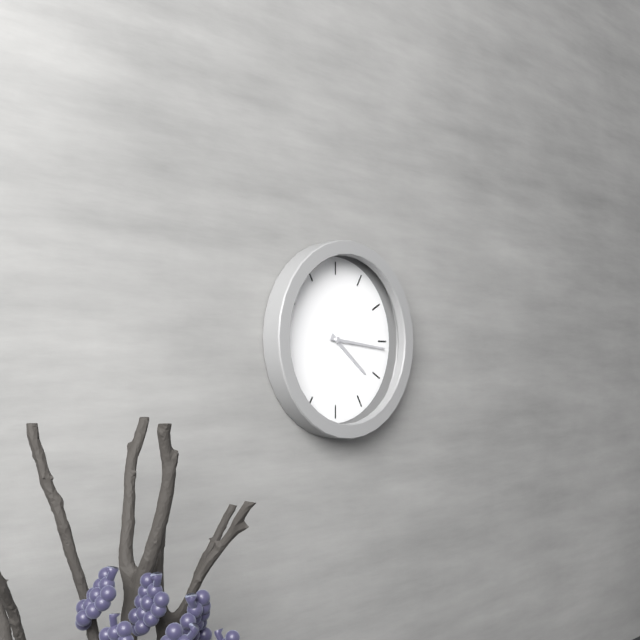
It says 4h16
